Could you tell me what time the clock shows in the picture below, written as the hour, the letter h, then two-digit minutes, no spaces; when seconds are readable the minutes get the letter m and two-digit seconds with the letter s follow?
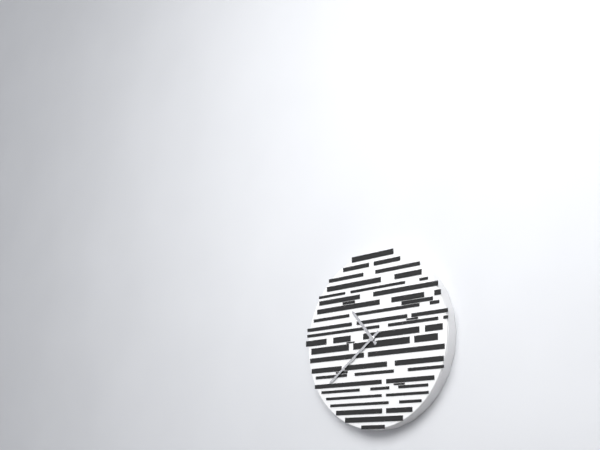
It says 10h39
